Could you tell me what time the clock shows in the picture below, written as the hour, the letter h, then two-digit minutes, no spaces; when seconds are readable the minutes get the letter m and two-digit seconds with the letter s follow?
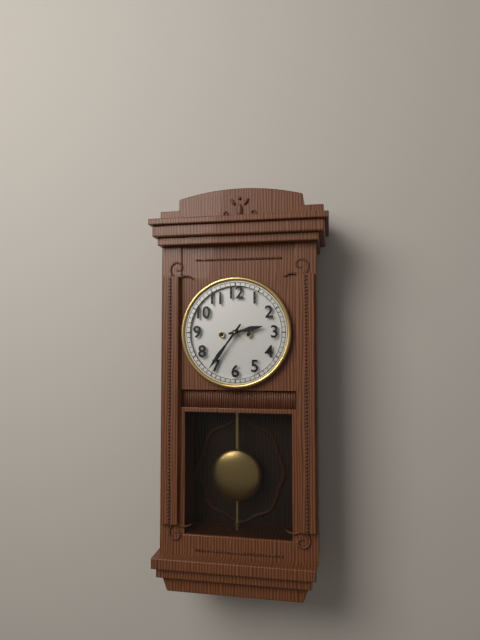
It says 2h36
